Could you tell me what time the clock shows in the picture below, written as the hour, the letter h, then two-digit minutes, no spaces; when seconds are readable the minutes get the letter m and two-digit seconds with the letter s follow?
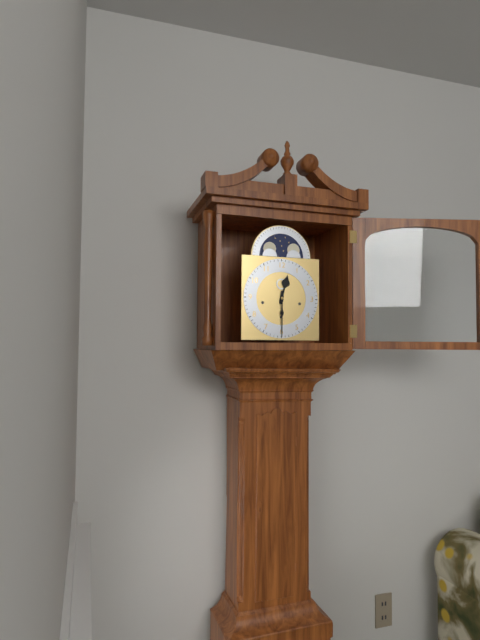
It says 12h30
